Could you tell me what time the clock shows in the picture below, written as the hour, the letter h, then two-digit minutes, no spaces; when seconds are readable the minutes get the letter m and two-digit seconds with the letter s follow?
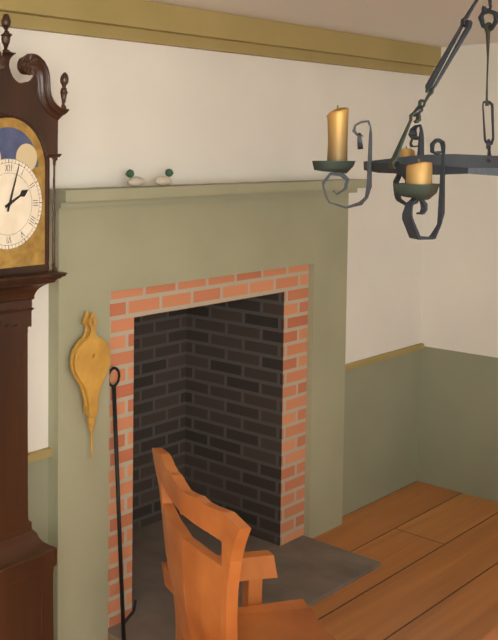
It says 2h03
